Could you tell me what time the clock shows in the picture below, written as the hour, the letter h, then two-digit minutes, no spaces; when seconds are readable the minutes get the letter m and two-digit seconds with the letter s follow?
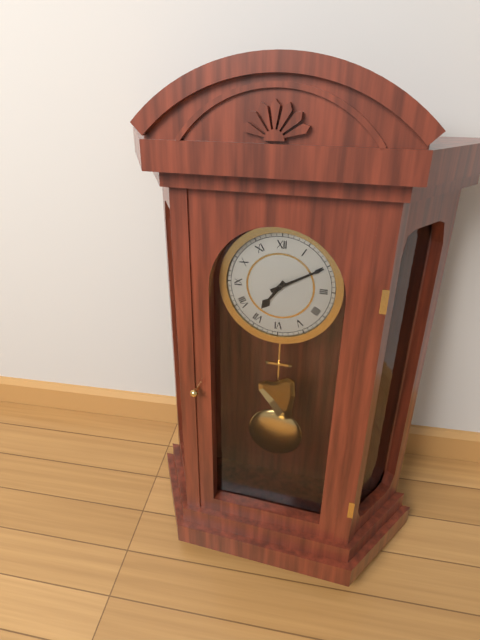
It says 7h10
